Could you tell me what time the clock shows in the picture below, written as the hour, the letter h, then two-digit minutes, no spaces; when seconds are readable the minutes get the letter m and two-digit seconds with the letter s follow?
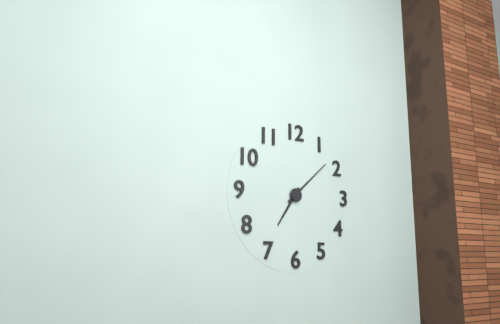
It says 7h08
